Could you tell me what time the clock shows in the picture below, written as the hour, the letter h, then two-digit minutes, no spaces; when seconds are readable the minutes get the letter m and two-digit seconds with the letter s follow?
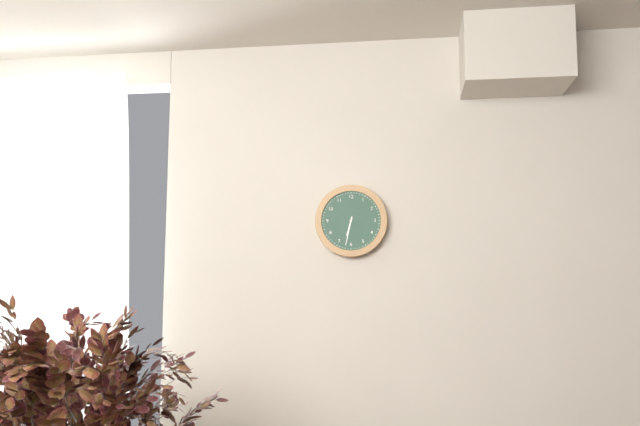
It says 6h32
